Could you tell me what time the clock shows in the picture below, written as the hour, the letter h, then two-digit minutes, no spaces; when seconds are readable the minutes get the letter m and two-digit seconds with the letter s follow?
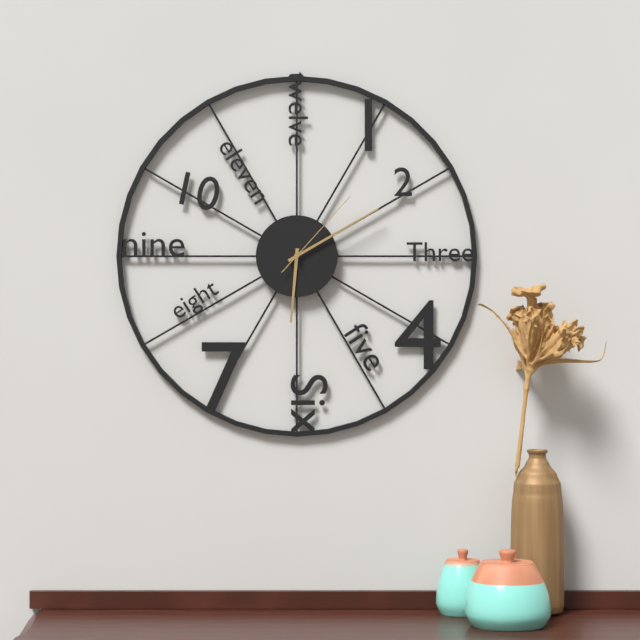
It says 6h10m07s
